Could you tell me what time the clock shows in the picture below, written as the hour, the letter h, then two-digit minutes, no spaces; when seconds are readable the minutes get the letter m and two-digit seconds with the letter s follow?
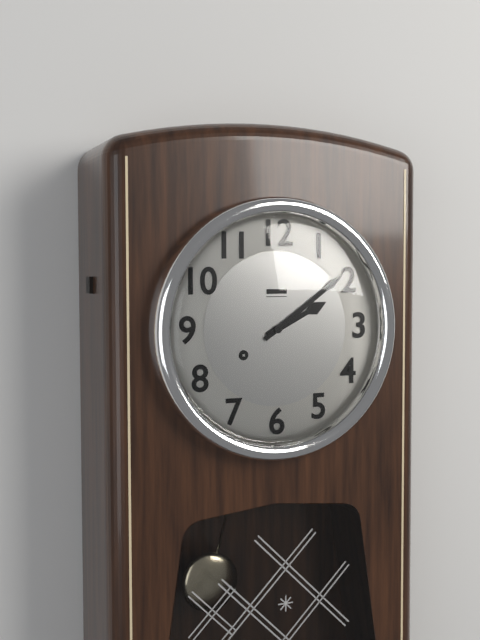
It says 2h09
